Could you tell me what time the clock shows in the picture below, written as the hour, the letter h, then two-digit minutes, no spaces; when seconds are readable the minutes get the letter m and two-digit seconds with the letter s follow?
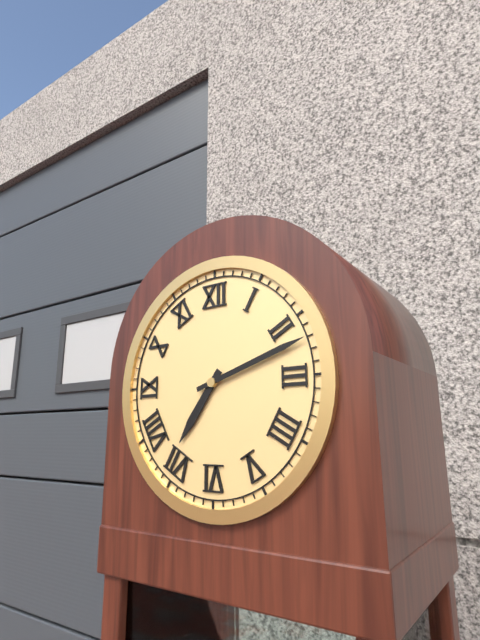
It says 7h12
